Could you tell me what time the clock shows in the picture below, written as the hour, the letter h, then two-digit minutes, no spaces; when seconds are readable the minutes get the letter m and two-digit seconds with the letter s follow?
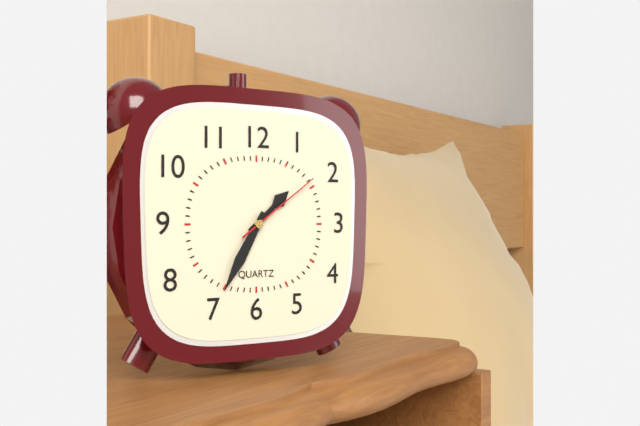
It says 1h35m09s
